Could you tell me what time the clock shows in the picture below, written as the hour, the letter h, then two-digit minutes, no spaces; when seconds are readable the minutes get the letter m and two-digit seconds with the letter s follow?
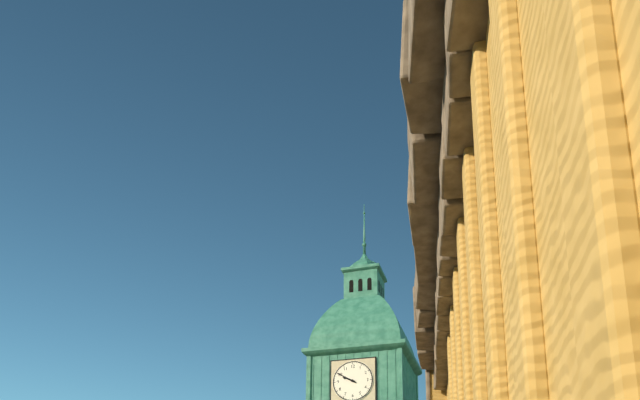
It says 9h50
